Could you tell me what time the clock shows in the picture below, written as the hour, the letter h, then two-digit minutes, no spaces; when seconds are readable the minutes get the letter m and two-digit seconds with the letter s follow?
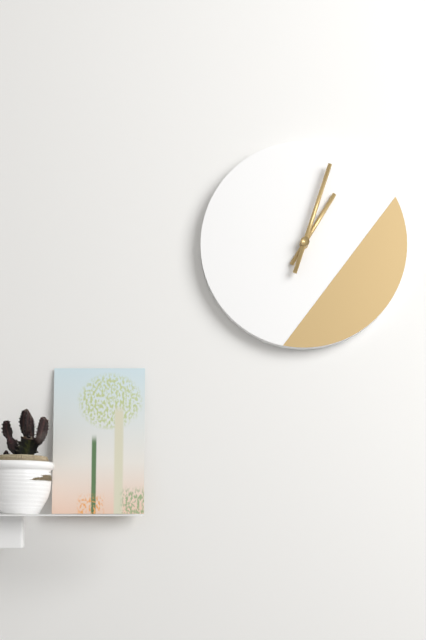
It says 1h03
